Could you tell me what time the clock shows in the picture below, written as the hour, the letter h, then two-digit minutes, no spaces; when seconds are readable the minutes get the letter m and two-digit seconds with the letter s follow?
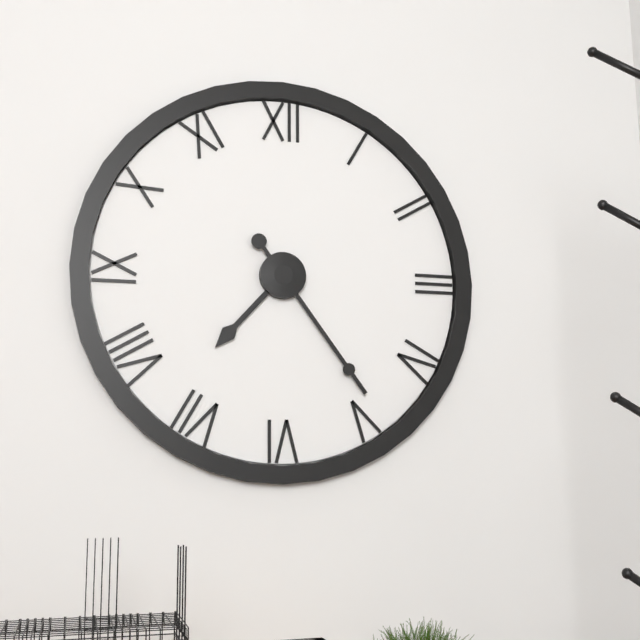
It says 7h24
